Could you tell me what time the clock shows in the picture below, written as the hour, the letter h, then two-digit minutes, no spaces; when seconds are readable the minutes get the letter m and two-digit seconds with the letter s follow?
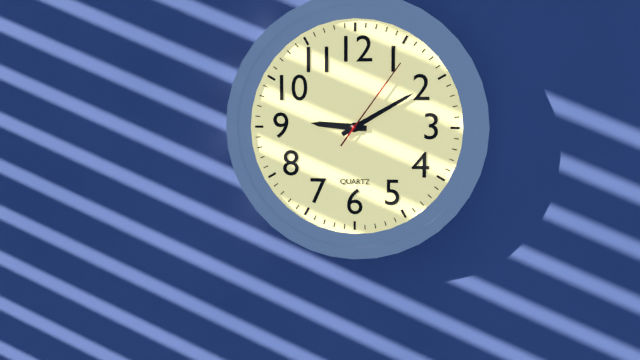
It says 9h10m06s
